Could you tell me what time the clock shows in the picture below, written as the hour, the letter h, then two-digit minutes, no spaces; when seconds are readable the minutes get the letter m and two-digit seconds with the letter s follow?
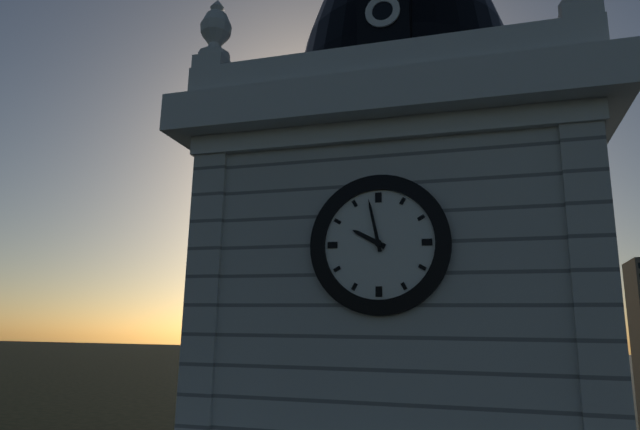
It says 9h58
